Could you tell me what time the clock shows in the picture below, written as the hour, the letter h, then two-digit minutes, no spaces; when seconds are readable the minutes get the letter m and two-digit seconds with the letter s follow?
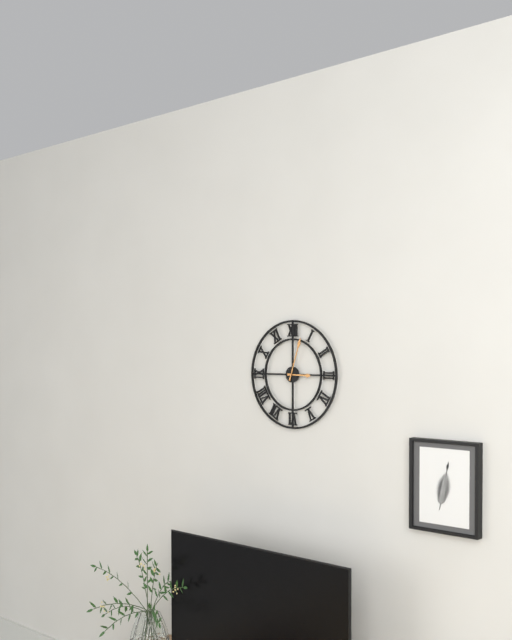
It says 3h03
